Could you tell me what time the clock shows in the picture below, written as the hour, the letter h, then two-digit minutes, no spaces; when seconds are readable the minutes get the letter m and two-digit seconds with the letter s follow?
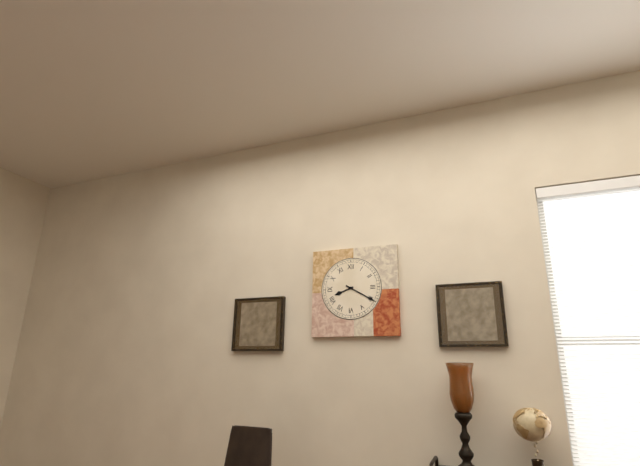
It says 8h20
